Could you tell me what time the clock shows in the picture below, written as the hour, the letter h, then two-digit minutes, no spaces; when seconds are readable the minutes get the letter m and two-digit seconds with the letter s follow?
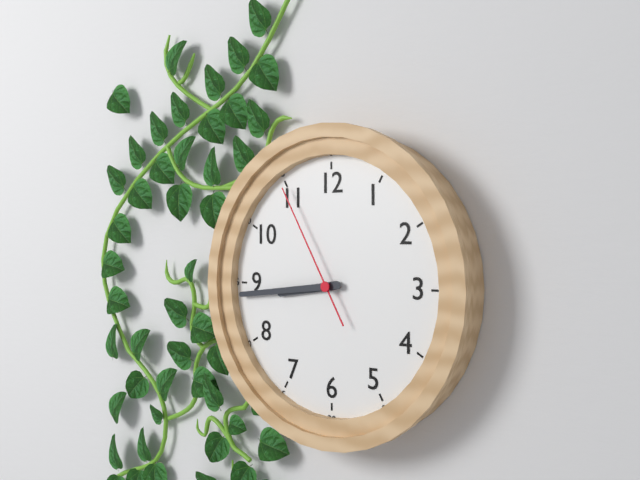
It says 8h44m55s
